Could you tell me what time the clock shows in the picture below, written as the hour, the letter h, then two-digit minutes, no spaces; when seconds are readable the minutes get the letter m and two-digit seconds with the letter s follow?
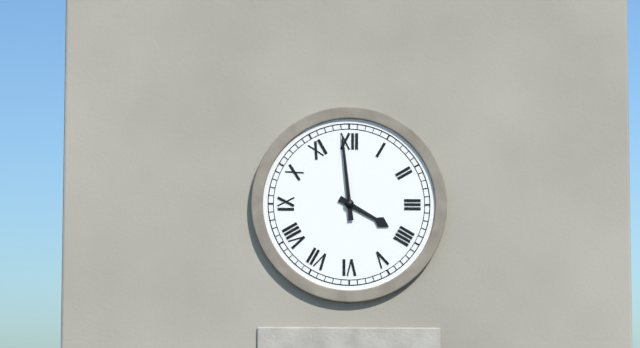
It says 3h59
